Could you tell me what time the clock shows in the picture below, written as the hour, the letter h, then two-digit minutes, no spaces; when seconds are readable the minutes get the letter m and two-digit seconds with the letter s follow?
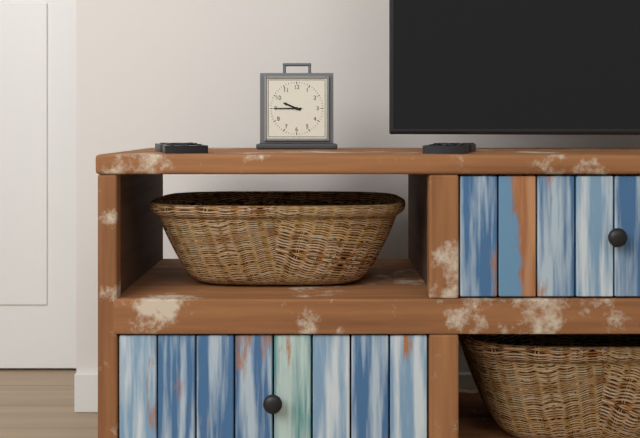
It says 9h45
